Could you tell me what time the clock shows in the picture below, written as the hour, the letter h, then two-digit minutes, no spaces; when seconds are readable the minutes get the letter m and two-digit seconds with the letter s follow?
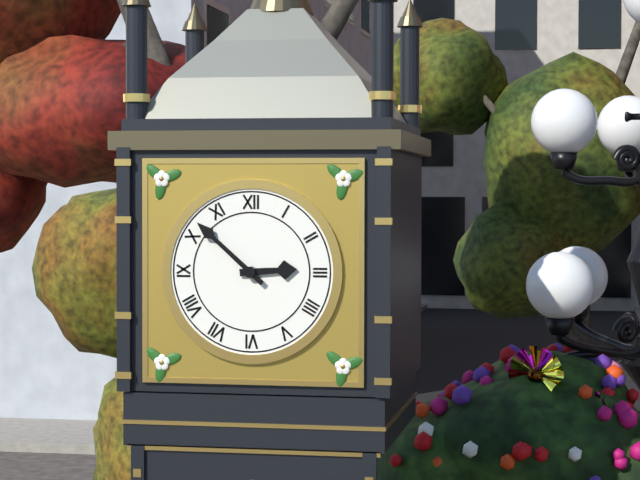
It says 2h52
